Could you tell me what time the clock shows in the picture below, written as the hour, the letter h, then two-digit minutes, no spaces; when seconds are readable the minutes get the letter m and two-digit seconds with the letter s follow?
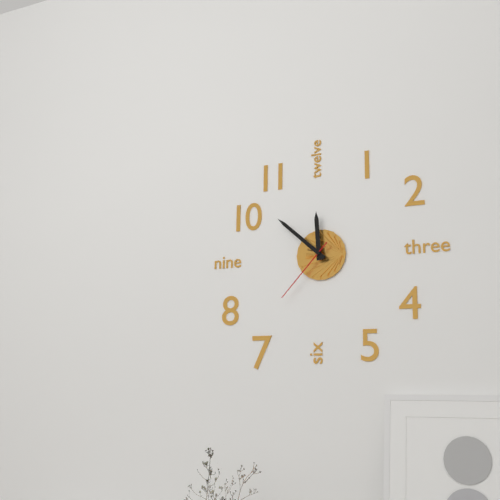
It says 11h52m37s
